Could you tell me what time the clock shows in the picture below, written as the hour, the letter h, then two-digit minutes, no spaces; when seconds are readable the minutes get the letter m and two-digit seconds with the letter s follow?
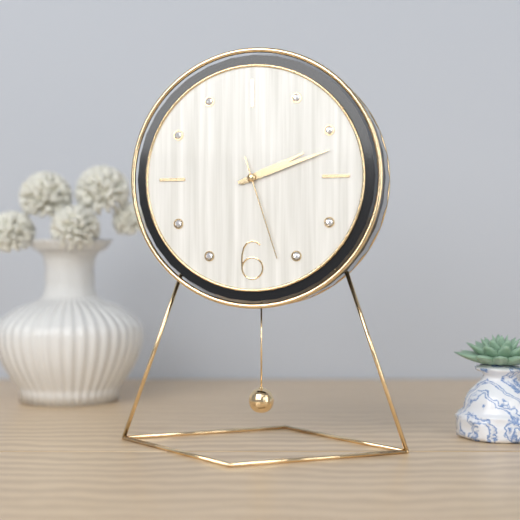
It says 2h12m27s
